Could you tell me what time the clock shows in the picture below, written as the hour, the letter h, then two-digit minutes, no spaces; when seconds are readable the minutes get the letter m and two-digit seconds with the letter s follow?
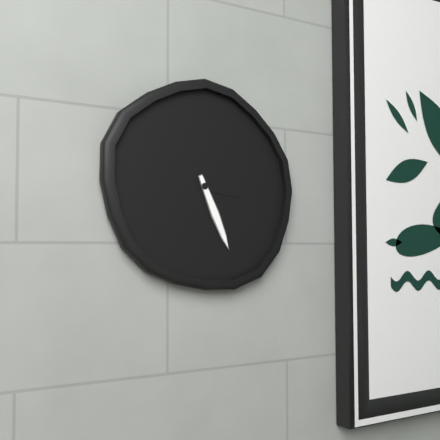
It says 3h26
